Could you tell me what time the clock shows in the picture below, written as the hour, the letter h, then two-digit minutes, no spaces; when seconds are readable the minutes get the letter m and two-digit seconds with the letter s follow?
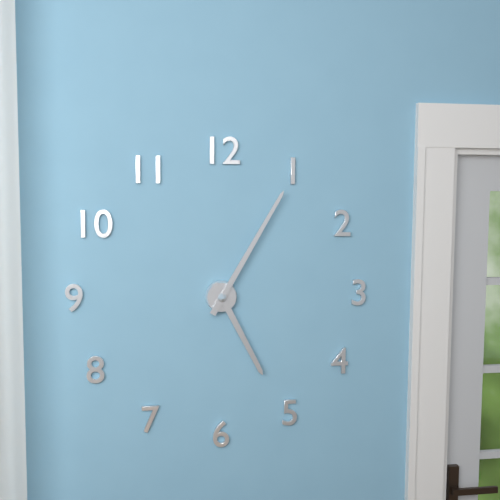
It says 5h05
